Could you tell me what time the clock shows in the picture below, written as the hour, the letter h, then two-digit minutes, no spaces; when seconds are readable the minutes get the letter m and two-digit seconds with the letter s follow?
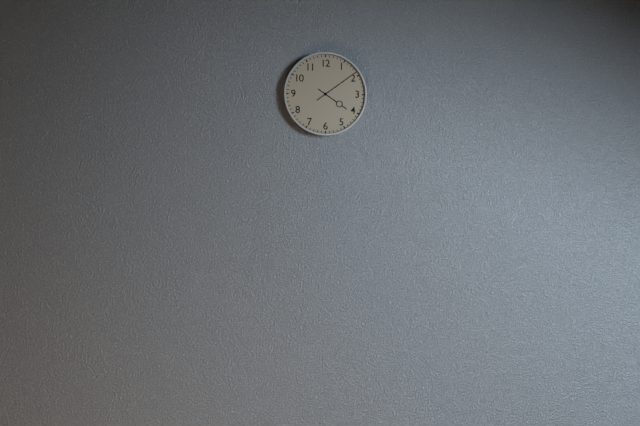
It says 4h09
